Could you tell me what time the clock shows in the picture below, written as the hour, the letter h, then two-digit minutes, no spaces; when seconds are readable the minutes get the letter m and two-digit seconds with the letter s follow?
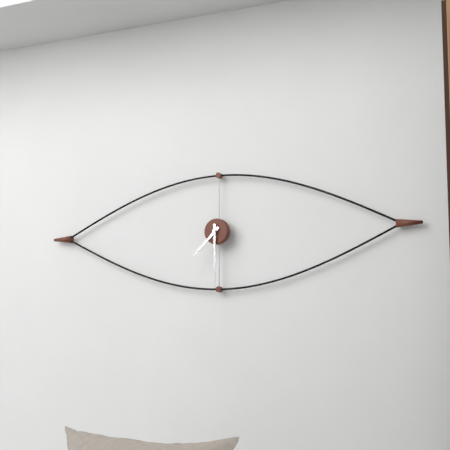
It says 7h30
